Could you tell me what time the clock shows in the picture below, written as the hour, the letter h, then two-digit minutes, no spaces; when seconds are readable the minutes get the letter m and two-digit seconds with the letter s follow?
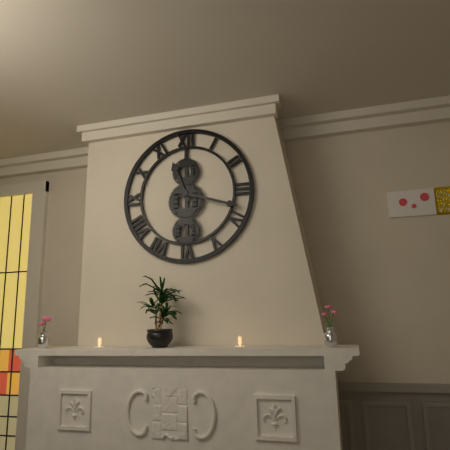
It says 11h18
